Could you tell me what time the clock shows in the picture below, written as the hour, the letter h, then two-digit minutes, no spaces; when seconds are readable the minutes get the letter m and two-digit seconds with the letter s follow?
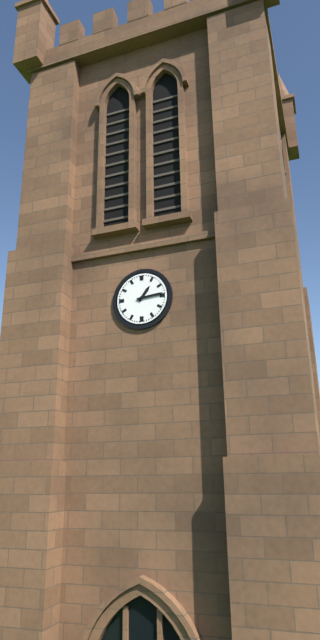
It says 1h14
